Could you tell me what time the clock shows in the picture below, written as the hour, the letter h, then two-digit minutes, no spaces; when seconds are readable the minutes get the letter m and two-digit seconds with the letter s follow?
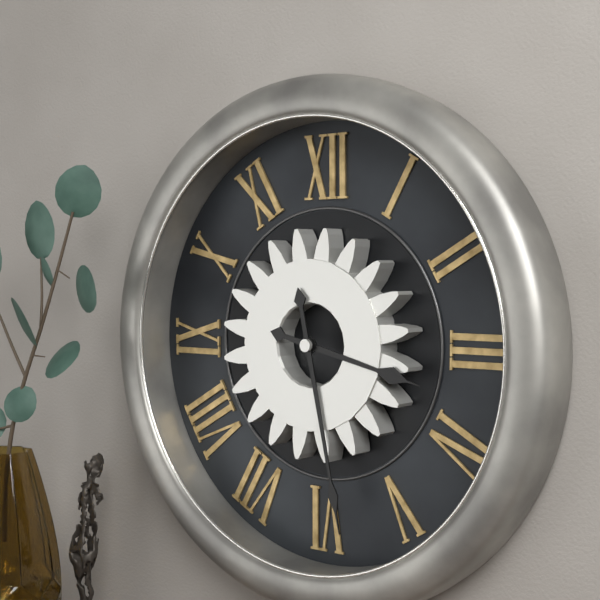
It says 3h28
